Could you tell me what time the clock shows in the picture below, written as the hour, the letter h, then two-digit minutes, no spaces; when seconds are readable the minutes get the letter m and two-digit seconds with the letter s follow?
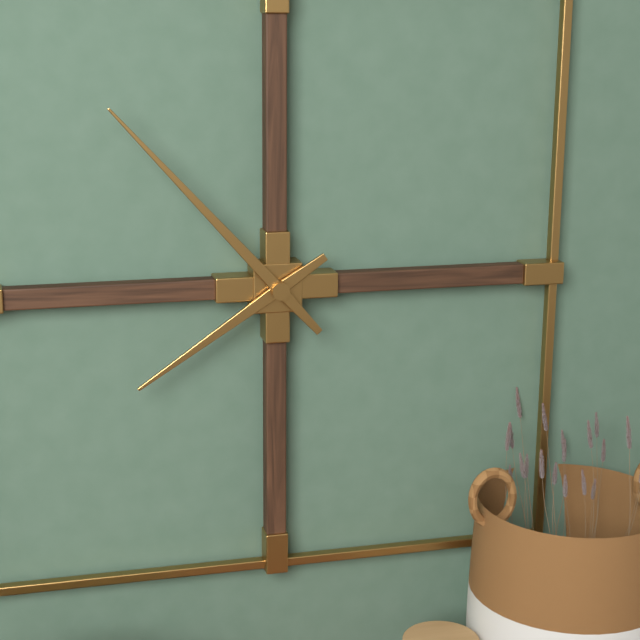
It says 7h53
